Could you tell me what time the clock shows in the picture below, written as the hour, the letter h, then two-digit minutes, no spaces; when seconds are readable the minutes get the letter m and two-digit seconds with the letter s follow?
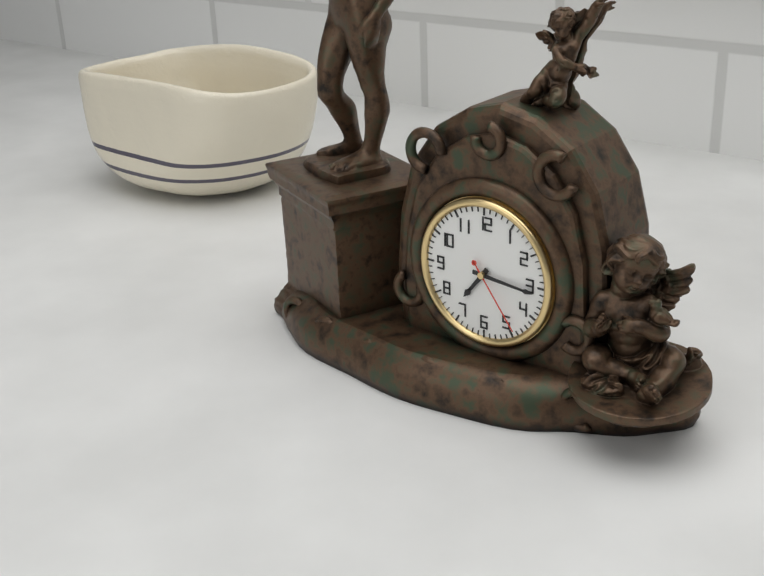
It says 7h16m24s
